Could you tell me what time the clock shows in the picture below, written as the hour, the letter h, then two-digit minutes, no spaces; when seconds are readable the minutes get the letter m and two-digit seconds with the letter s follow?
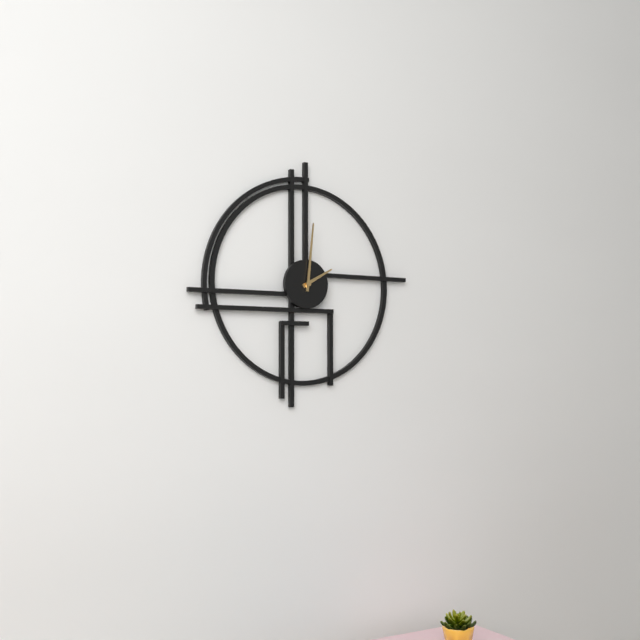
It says 2h01
